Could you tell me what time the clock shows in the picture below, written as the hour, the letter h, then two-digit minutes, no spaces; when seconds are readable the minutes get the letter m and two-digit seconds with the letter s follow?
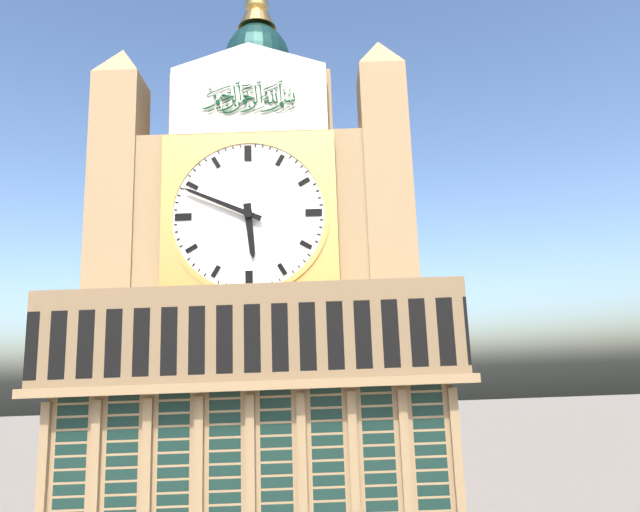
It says 5h49
